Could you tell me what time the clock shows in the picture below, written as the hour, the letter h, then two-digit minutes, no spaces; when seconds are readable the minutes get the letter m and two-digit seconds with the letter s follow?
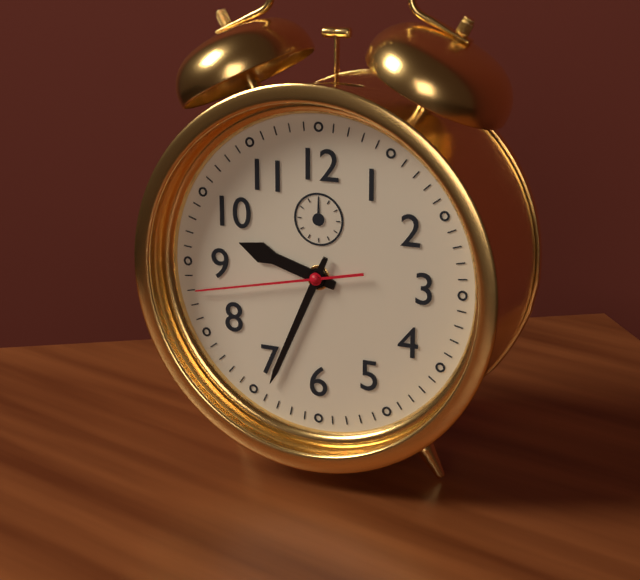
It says 9h34m43s
